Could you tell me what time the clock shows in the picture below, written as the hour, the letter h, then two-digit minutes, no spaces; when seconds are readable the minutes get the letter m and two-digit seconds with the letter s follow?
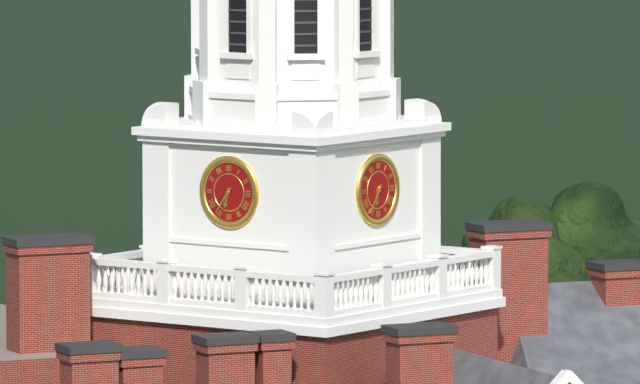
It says 6h36
